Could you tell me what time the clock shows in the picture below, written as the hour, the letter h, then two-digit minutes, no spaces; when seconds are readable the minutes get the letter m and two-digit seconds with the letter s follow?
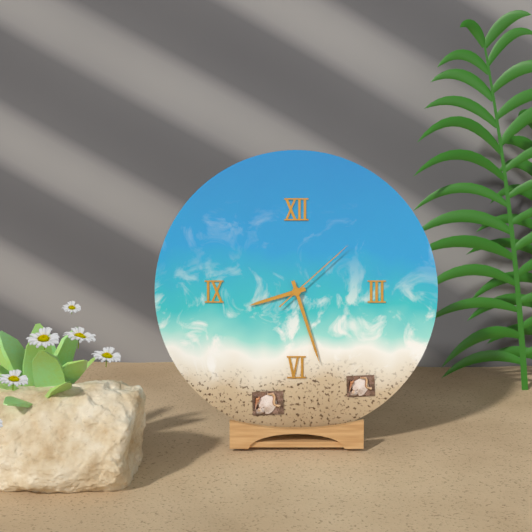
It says 8h27m08s
